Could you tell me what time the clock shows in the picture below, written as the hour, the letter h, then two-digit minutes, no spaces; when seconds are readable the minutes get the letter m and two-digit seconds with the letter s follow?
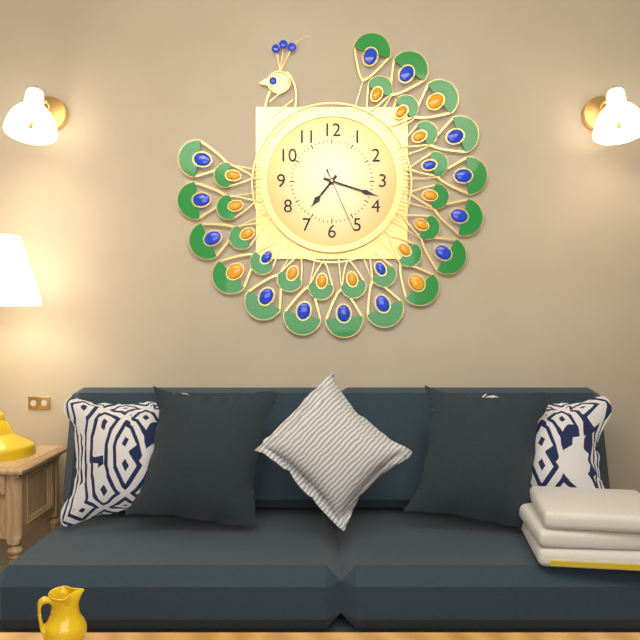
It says 7h18m26s
